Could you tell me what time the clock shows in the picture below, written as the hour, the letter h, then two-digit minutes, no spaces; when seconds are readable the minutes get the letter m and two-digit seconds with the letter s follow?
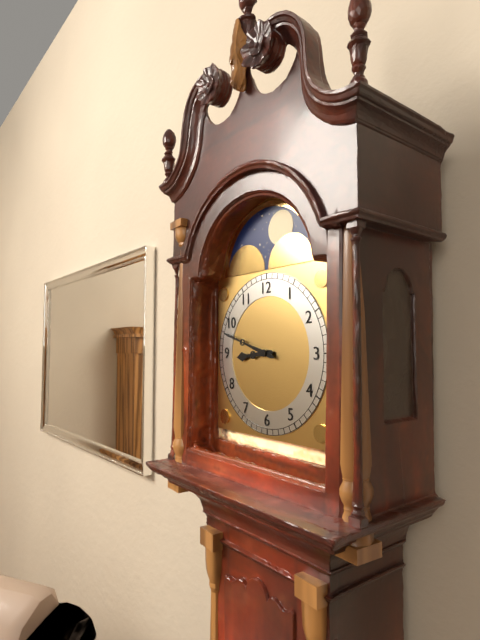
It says 8h48
